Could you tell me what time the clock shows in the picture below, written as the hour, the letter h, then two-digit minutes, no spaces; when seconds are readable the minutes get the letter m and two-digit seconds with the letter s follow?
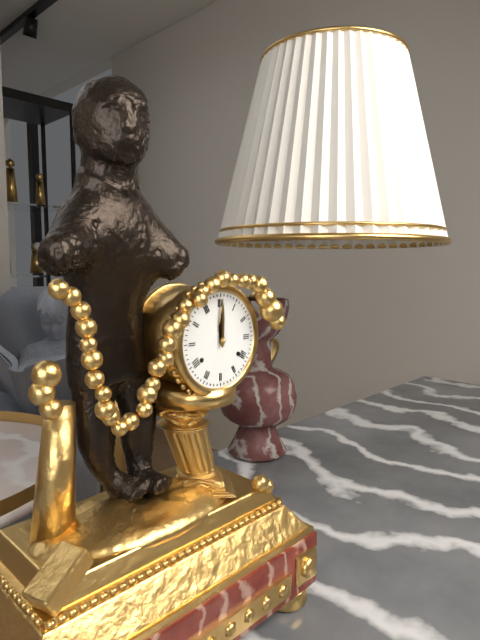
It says 12h00
